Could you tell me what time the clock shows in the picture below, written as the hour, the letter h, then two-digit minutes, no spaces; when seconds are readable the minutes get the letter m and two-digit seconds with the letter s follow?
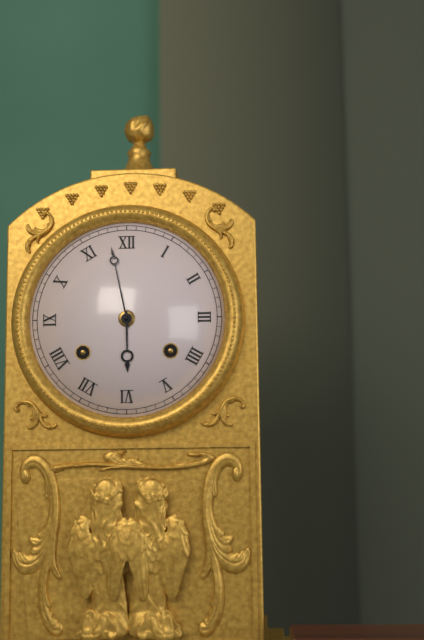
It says 5h58
